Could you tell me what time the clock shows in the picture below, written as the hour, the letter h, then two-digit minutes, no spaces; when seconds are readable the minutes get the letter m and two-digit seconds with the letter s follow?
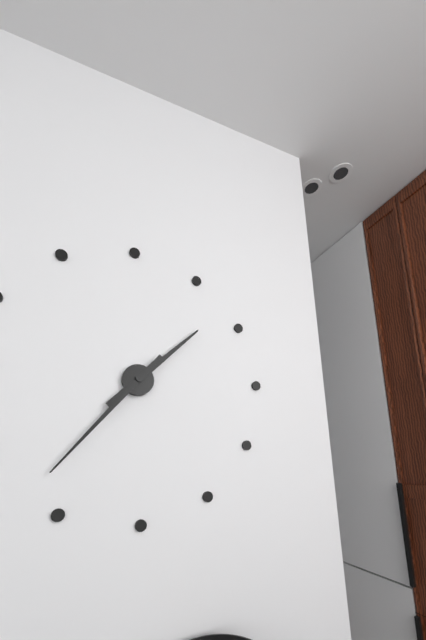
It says 1h37
